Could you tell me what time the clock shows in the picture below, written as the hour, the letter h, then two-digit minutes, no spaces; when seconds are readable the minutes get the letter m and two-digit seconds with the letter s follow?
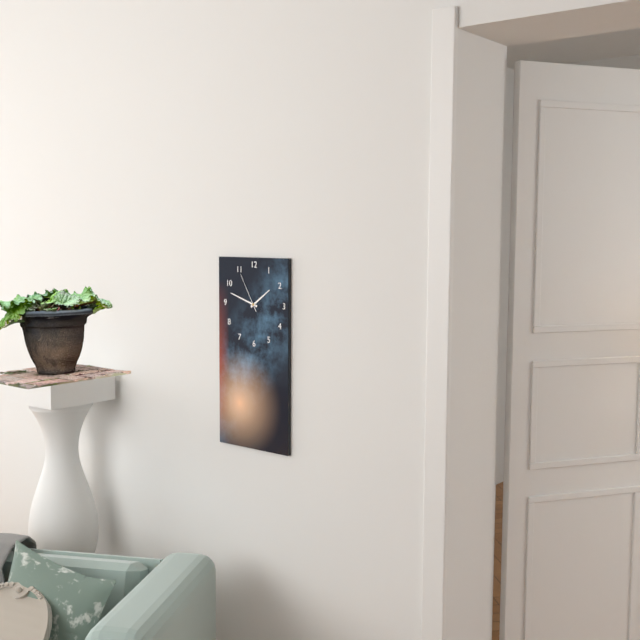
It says 1h48
